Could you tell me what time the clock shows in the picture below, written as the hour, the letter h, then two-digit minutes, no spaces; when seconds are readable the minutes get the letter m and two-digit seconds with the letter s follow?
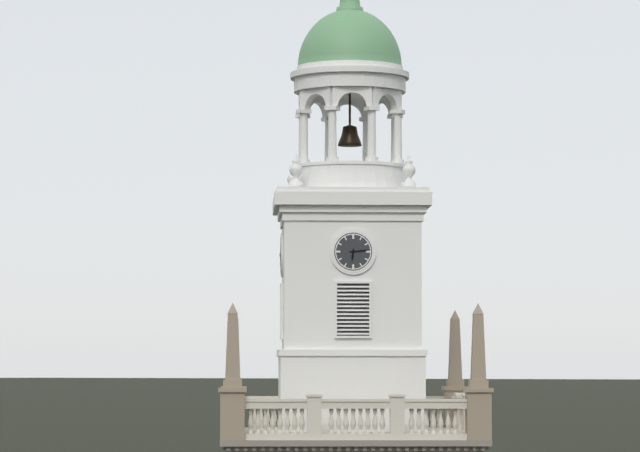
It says 6h14
